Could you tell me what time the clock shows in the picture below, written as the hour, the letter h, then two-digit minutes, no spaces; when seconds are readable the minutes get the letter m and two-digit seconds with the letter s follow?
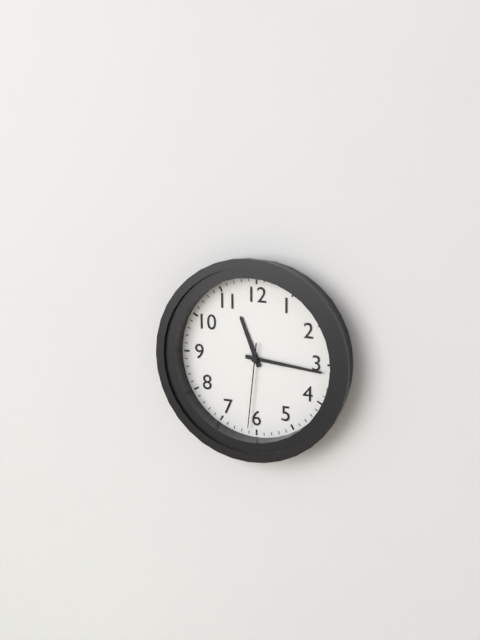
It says 11h16m31s
